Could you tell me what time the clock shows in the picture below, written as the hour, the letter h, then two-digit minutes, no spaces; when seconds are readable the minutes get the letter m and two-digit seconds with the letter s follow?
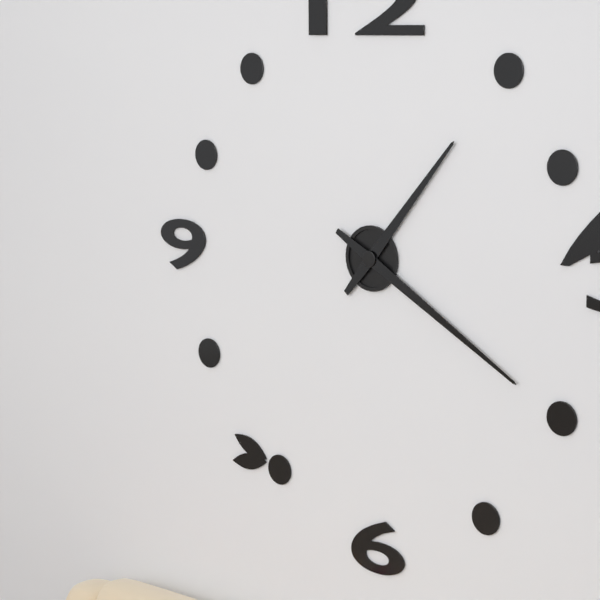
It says 1h20
